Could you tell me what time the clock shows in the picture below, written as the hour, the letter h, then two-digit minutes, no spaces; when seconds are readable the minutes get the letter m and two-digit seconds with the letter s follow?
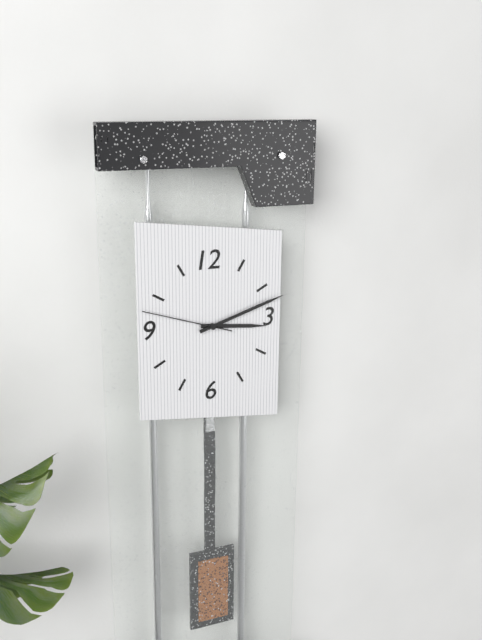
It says 3h12m48s
